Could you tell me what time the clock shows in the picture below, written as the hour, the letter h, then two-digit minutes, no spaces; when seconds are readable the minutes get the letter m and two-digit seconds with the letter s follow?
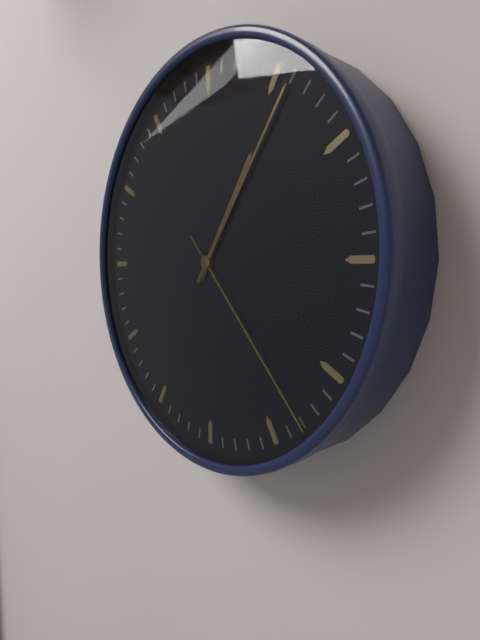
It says 1h06m23s
